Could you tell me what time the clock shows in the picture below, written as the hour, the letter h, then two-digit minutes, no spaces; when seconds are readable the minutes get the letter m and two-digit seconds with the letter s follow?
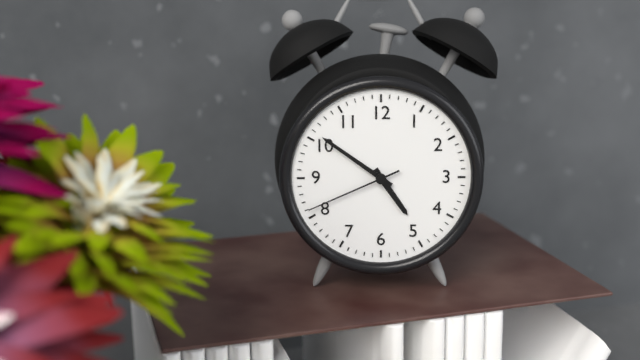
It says 4h51m41s
